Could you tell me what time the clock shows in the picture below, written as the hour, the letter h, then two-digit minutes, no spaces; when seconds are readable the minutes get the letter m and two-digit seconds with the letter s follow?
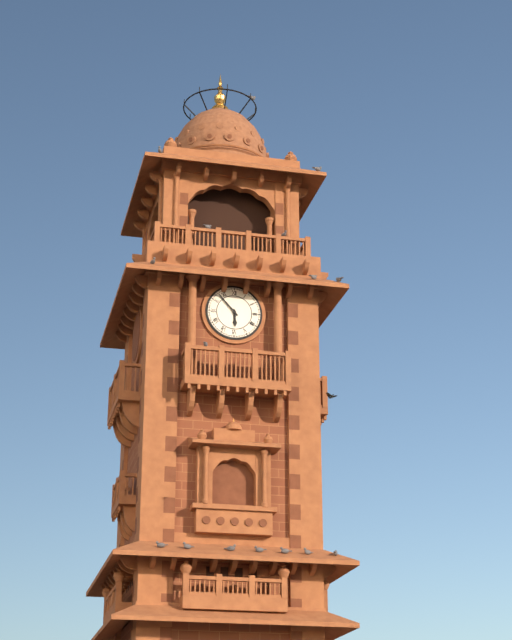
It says 5h53
